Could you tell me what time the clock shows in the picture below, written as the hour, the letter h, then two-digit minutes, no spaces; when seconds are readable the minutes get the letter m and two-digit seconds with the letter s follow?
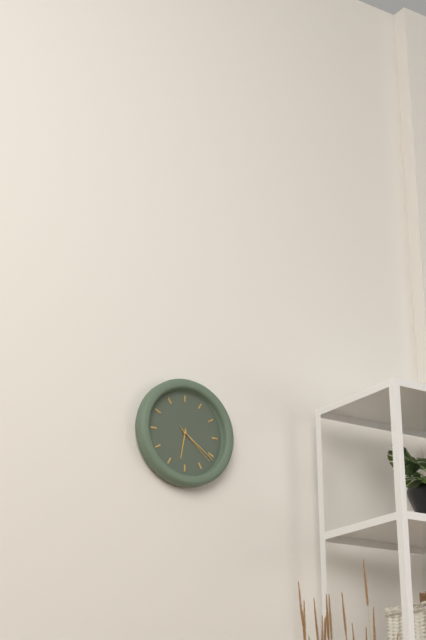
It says 6h21
